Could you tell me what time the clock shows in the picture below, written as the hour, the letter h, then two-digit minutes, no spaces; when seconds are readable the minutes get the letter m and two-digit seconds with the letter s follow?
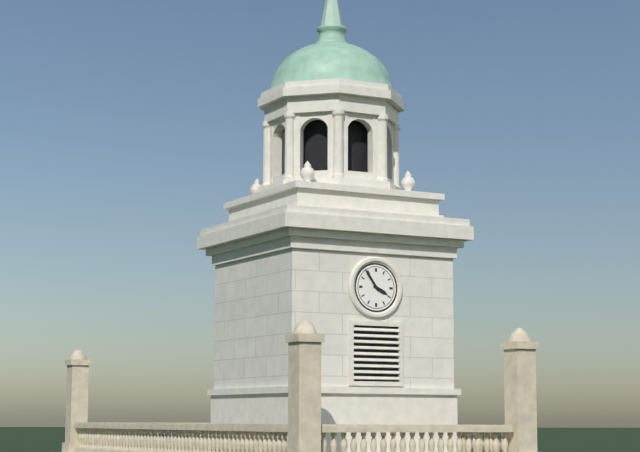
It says 3h54
